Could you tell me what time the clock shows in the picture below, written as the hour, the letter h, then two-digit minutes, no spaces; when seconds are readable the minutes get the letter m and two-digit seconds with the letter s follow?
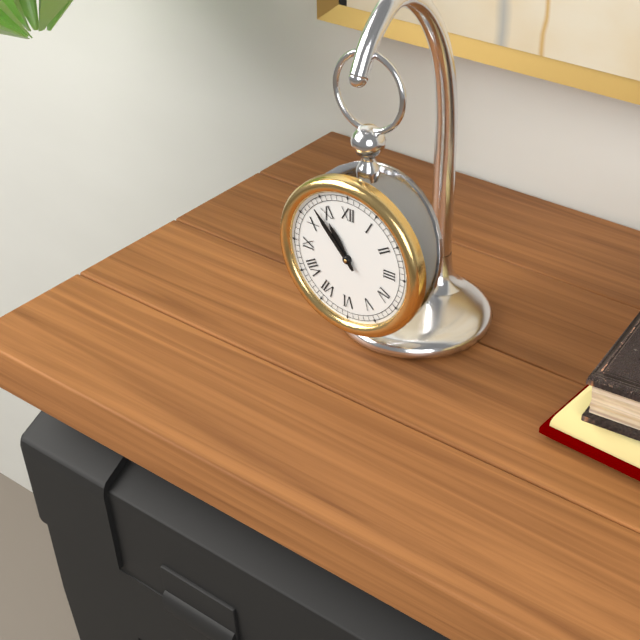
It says 10h53
